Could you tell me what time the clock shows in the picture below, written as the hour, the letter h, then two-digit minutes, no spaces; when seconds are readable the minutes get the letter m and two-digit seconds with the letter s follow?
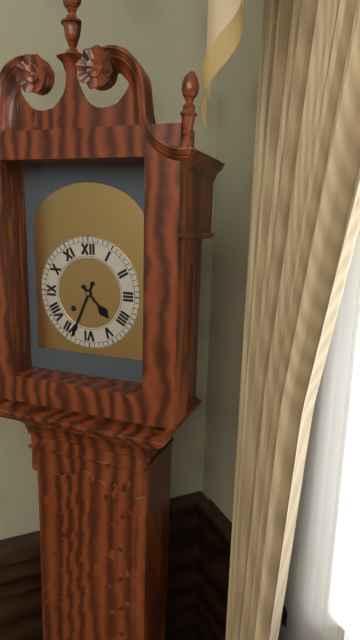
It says 4h34
